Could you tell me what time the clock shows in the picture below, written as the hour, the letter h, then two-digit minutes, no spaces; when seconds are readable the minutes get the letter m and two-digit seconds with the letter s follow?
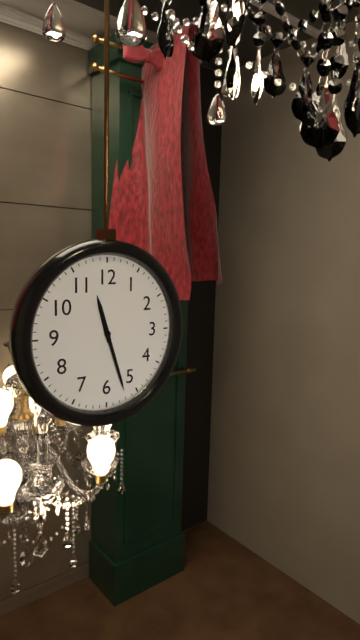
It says 11h27
